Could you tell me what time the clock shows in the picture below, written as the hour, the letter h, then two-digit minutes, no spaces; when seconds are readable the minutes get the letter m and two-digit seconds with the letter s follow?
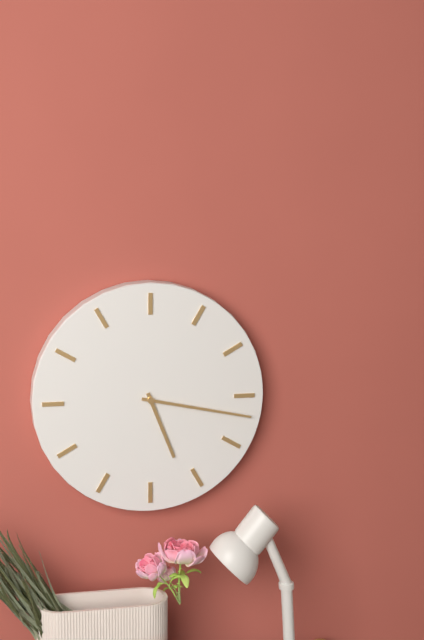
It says 5h17
